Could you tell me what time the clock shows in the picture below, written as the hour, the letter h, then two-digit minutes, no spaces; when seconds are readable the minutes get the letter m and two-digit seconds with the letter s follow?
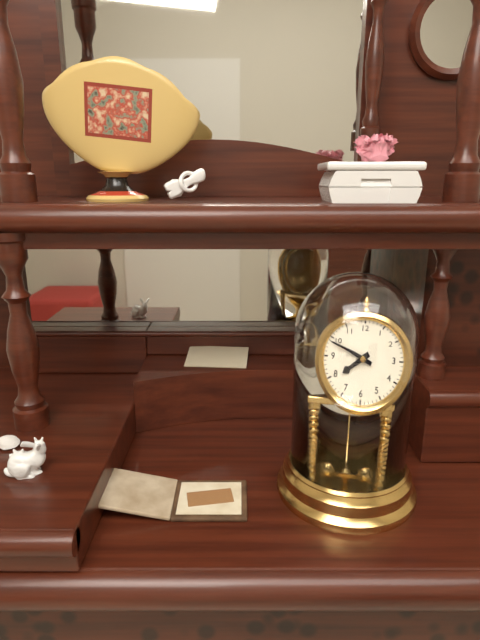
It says 7h49
